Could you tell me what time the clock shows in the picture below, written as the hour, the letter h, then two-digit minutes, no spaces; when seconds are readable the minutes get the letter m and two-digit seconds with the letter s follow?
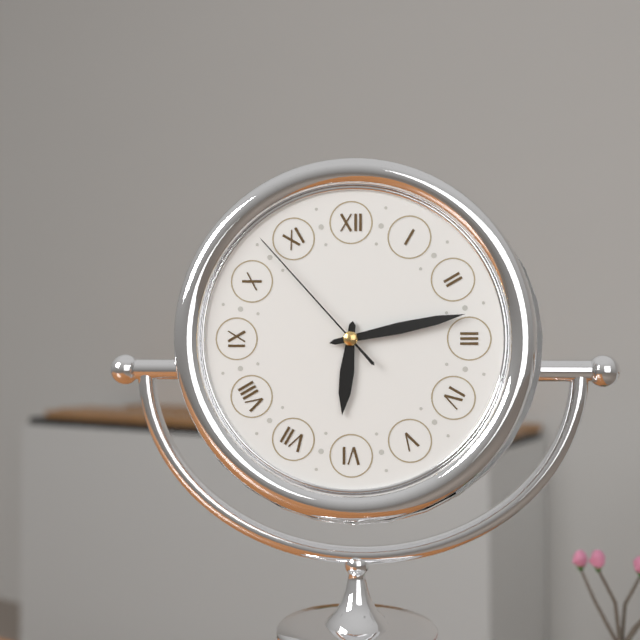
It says 6h13m53s
